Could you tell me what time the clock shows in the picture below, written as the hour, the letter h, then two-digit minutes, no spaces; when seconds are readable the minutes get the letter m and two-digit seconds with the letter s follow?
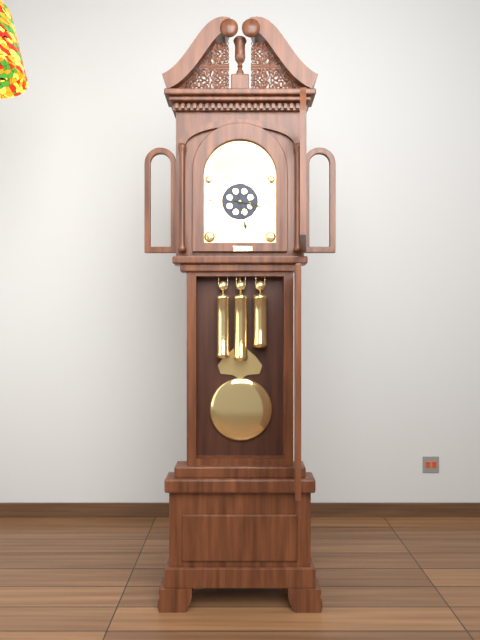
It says 3h28
